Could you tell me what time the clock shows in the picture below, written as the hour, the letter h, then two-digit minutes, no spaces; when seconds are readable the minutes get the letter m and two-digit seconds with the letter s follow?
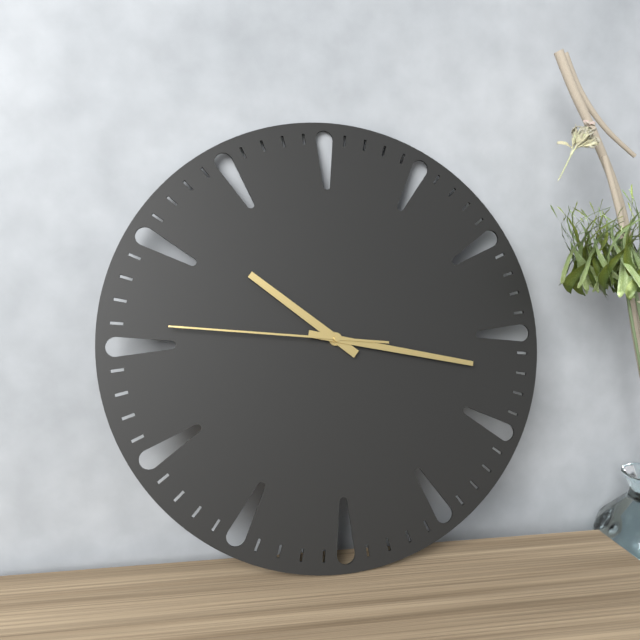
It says 10h17m46s
